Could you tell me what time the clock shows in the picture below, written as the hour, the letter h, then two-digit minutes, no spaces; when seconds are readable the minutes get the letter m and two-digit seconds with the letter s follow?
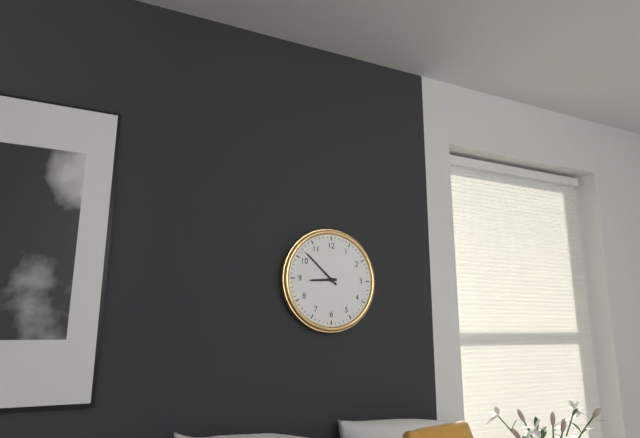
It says 8h52
